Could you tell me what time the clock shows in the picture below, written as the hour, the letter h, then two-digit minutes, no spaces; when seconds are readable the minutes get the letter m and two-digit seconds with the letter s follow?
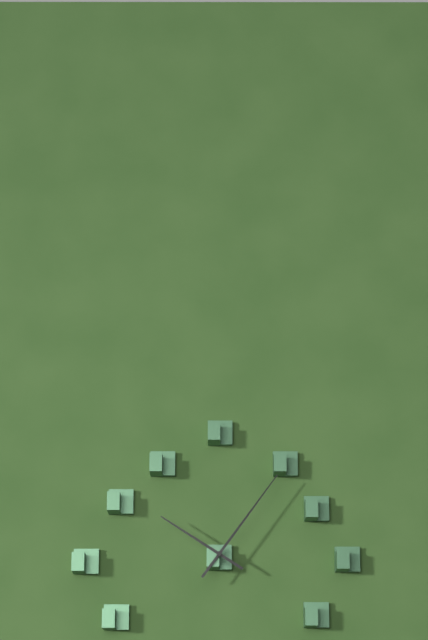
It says 10h06
